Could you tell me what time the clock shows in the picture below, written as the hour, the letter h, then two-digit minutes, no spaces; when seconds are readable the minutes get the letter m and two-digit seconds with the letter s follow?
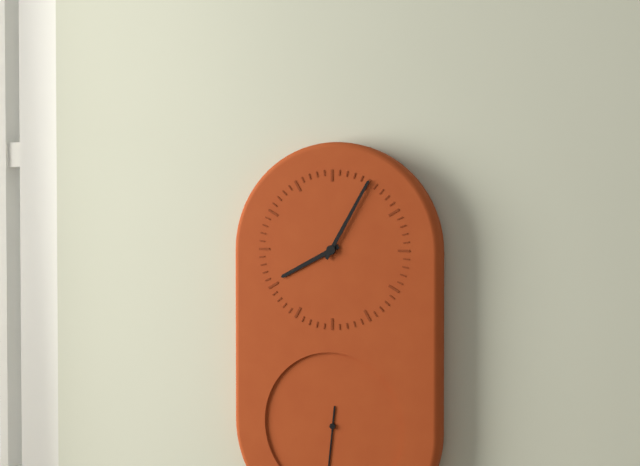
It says 8h05
